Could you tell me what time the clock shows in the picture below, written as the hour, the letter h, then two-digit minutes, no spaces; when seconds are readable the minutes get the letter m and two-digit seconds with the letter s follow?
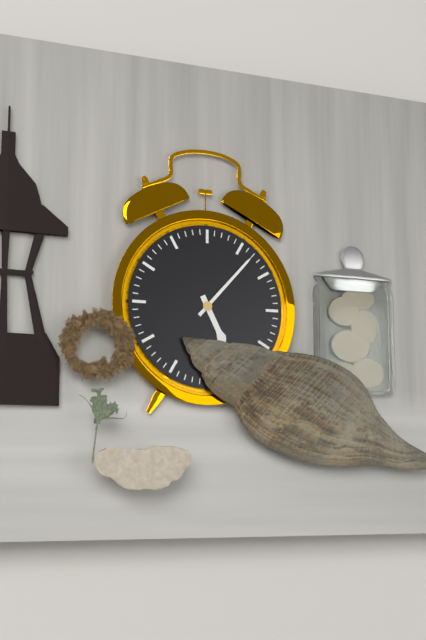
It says 5h07
